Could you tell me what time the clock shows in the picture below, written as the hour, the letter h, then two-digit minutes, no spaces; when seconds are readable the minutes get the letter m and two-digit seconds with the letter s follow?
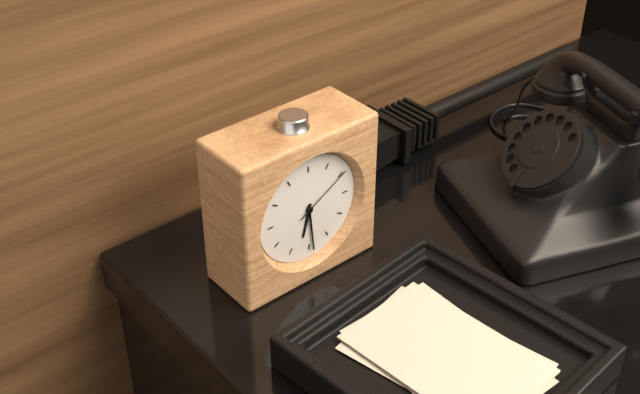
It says 6h29m10s
